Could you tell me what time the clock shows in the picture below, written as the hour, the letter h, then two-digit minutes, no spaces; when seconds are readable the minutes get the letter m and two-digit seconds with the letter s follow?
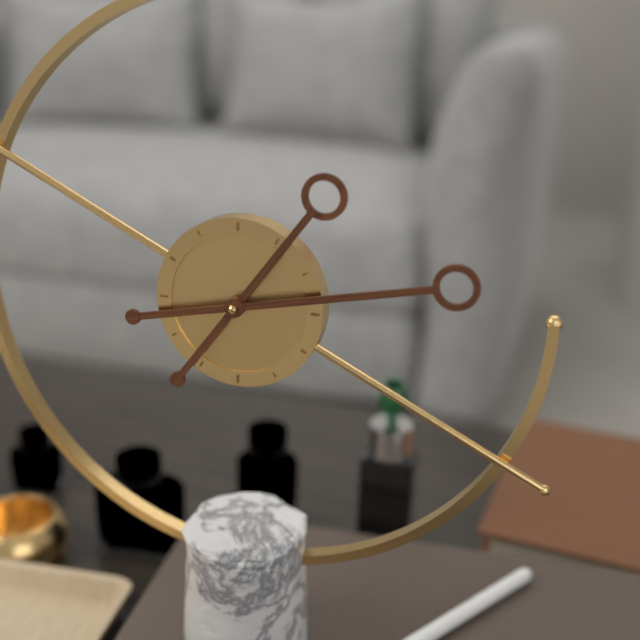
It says 1h13
